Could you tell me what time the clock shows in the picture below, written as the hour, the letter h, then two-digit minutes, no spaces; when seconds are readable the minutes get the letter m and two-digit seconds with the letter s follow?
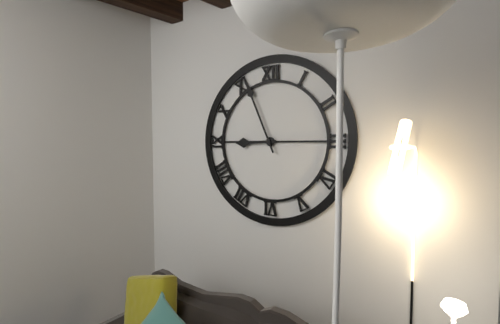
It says 8h56
